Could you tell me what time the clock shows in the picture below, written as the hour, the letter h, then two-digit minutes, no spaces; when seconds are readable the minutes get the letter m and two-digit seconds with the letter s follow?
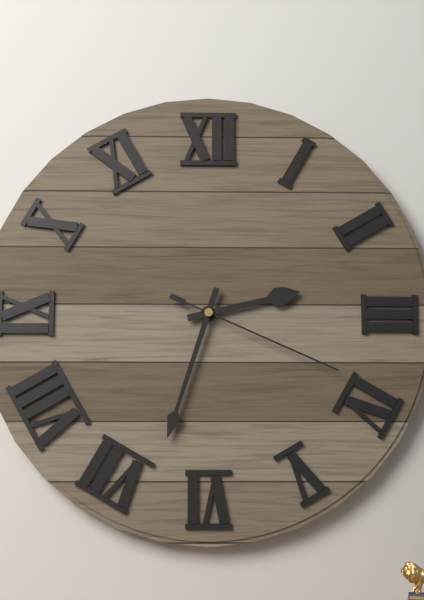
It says 2h33m19s
